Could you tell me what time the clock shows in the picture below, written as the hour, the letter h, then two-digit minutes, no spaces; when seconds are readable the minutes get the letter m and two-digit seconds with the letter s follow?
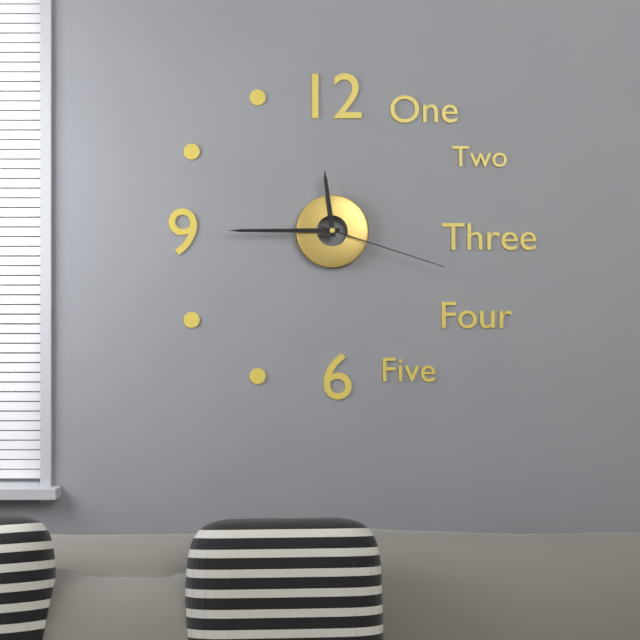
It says 11h45m18s
